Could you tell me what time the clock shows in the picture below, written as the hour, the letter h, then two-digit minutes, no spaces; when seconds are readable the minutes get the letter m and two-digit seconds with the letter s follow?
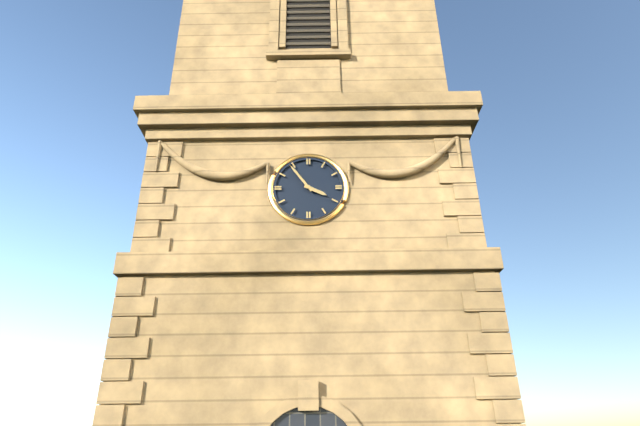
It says 3h54
